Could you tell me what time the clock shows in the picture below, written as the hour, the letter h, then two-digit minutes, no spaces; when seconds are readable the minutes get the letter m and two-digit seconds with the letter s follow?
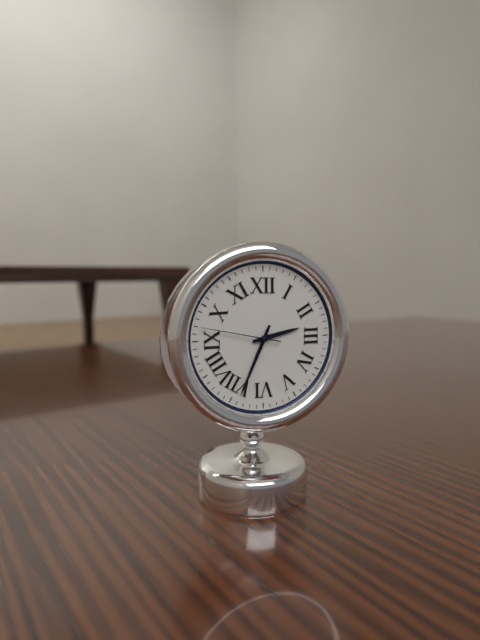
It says 2h34m47s
